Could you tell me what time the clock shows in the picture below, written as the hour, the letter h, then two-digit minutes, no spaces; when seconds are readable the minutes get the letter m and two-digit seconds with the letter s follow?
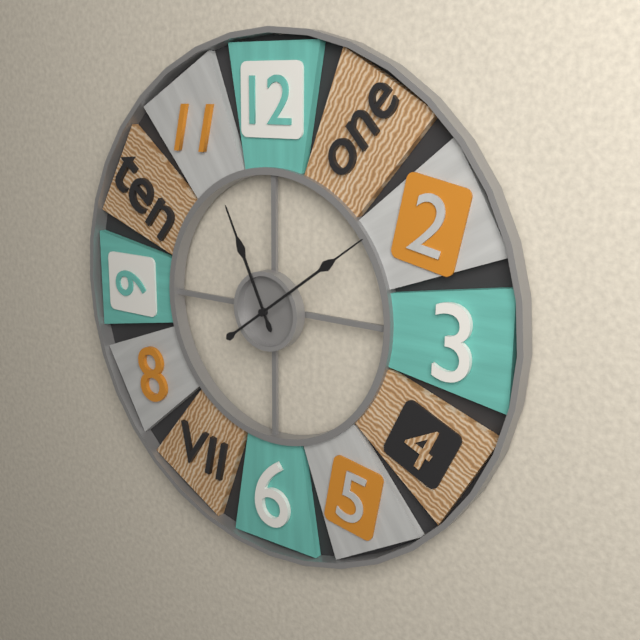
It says 11h09
